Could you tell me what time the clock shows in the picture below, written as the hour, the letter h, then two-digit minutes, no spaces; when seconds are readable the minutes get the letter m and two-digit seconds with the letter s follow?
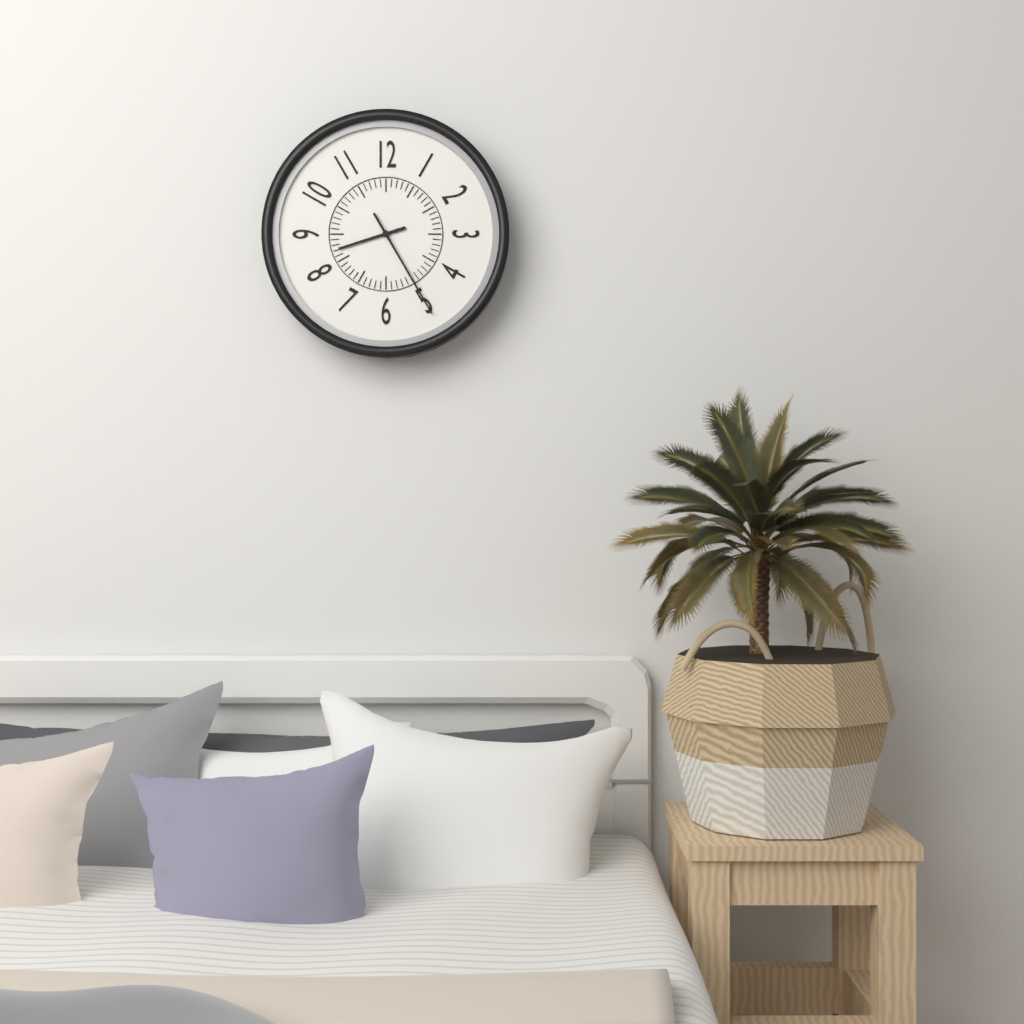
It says 8h25
